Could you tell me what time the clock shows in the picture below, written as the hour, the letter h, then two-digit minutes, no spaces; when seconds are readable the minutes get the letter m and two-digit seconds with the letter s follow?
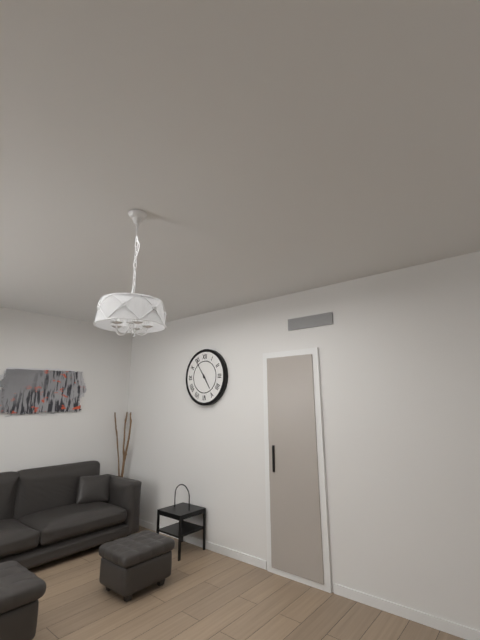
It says 4h54
